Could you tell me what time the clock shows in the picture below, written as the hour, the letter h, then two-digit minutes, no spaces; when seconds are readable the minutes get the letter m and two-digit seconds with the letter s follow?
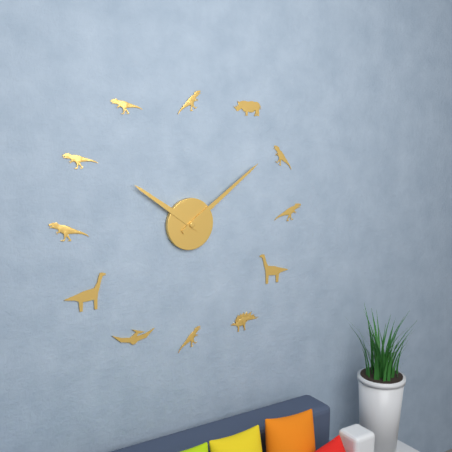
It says 10h09
